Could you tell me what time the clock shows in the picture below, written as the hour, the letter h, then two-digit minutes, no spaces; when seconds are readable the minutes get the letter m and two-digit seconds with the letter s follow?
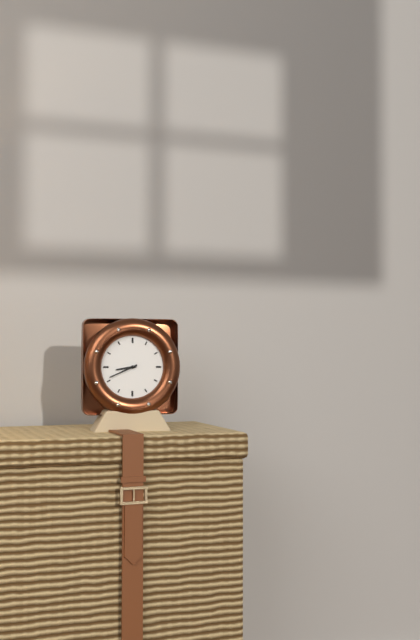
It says 8h41
